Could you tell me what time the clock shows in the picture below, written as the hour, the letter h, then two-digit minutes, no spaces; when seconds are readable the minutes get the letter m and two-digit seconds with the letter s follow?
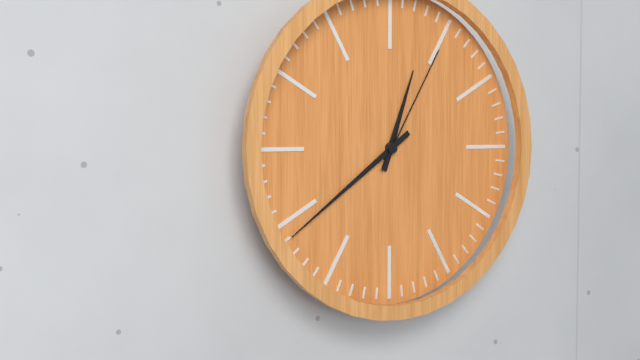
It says 12h39m05s
